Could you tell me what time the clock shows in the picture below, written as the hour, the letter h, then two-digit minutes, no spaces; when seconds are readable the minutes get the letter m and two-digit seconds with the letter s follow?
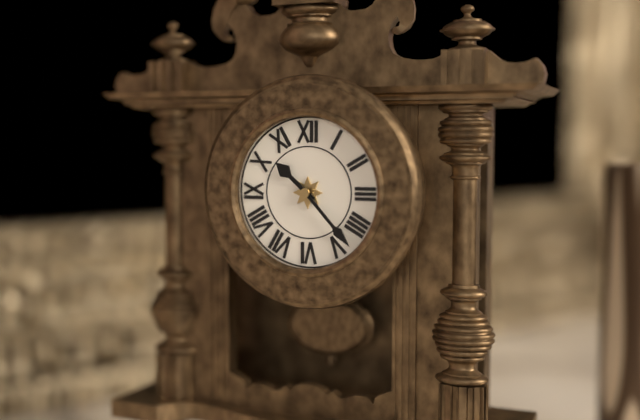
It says 10h23
